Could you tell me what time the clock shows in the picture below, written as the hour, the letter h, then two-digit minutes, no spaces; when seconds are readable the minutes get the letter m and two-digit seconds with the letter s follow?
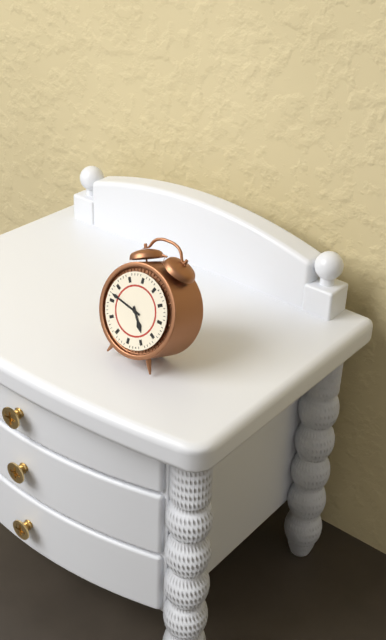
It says 4h47
